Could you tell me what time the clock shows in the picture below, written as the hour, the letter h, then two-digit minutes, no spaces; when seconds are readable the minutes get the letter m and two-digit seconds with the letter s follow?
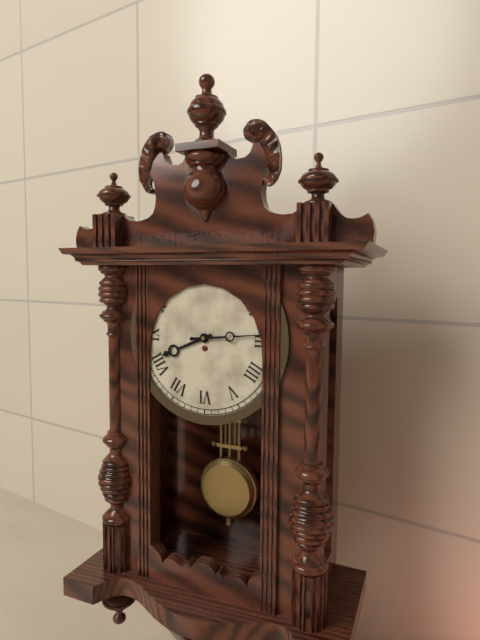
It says 8h14
